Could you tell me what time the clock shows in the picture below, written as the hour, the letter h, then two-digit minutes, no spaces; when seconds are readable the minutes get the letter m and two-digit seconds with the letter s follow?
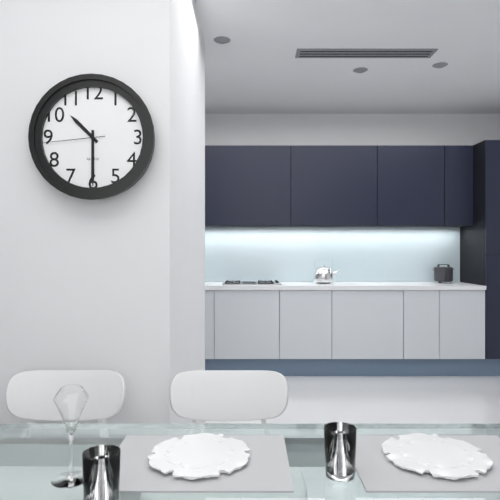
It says 10h30m44s
